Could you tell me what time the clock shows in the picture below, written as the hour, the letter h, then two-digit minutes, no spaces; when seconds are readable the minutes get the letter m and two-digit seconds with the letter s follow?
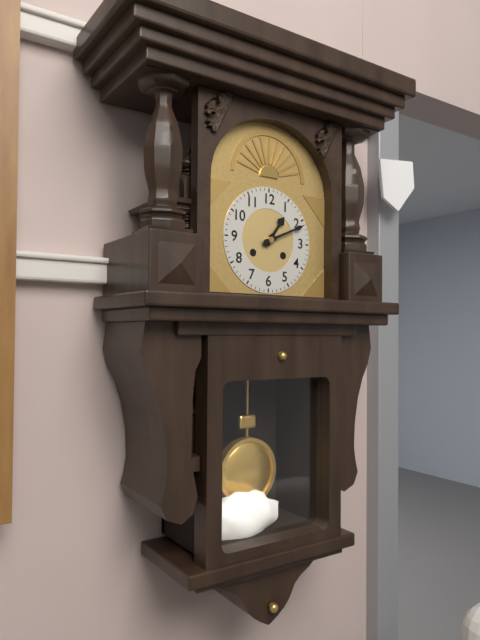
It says 1h11
